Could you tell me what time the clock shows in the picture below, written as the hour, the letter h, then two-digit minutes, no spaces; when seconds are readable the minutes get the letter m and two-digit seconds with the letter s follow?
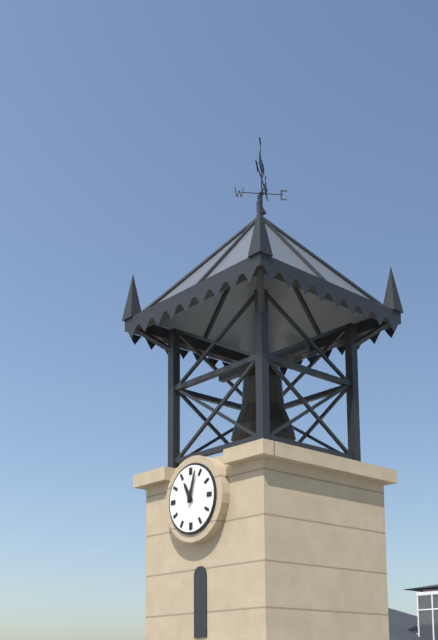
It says 11h03
